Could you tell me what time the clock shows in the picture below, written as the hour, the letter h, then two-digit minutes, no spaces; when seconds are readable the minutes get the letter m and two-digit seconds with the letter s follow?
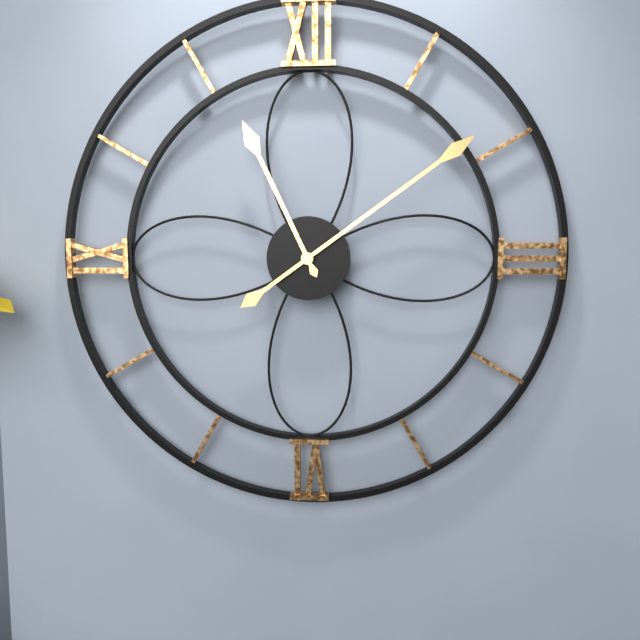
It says 11h09
